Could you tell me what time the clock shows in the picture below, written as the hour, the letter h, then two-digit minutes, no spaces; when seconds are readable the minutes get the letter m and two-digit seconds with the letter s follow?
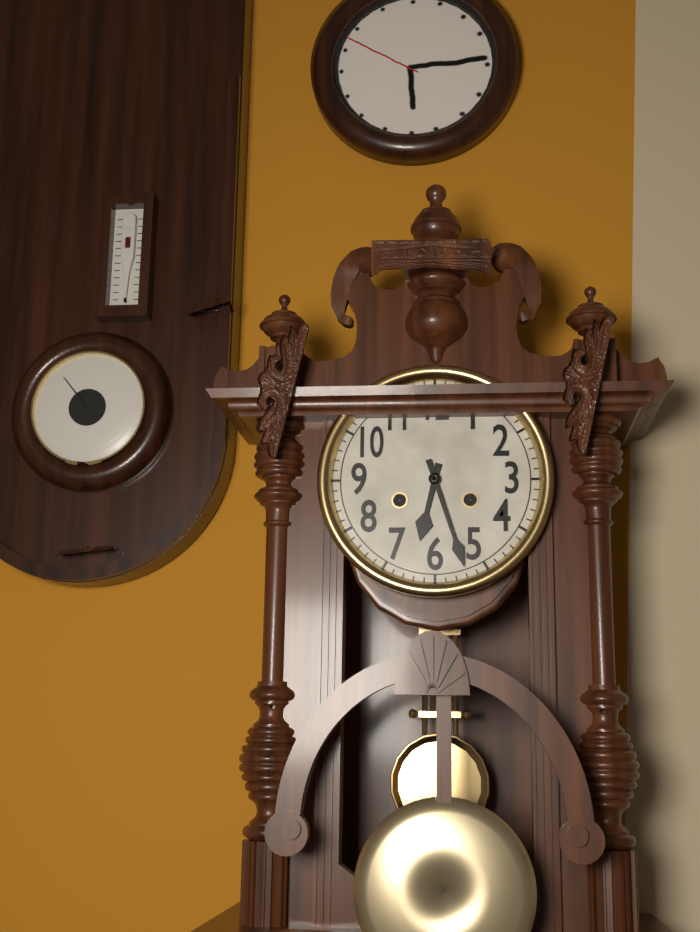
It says 6h27
